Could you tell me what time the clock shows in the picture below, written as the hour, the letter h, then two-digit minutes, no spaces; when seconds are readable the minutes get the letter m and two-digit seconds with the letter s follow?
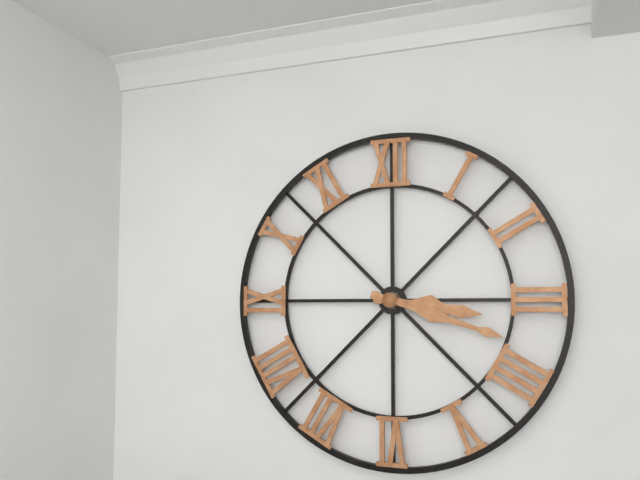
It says 3h18
